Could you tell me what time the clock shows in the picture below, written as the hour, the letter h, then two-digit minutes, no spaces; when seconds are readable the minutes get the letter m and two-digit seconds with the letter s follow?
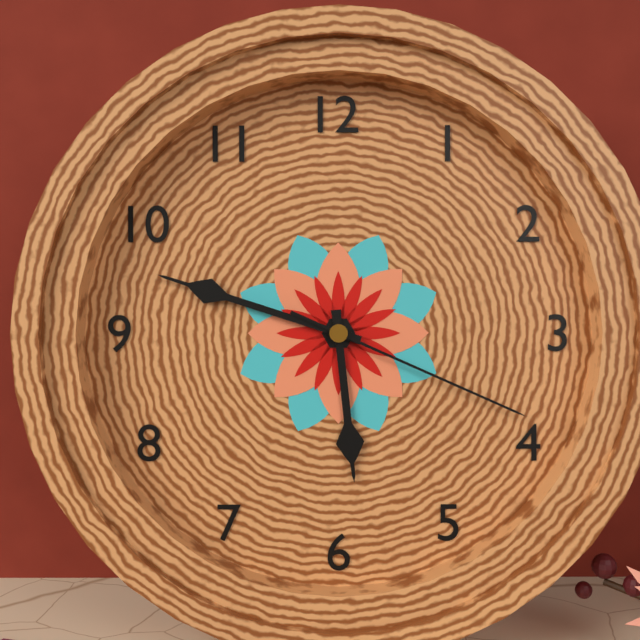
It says 5h48m19s
